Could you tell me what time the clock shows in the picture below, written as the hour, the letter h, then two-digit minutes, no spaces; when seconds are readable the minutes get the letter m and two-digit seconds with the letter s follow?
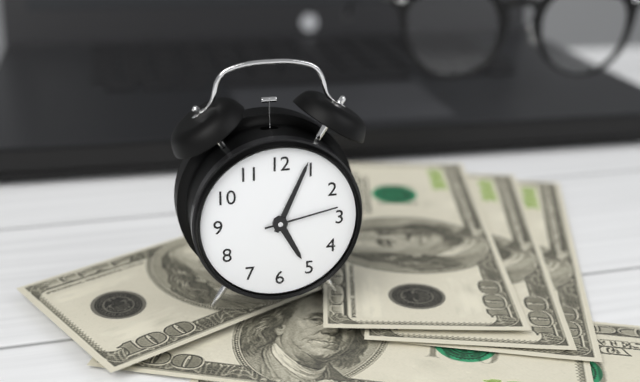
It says 5h04m13s
